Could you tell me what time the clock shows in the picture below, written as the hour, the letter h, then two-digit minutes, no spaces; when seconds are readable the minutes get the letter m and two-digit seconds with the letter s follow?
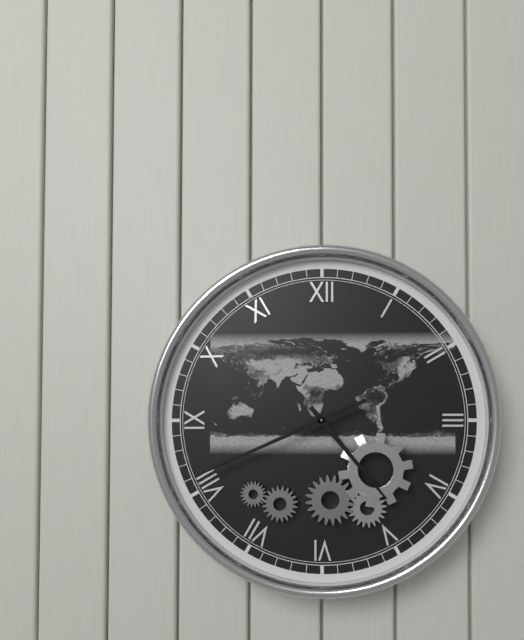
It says 4h41
